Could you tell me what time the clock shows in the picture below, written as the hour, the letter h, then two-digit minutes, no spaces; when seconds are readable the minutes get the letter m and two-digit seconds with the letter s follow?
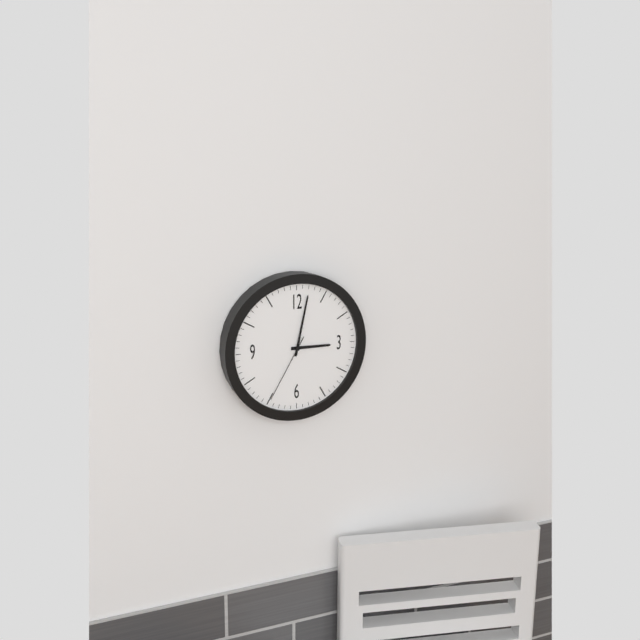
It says 3h02m35s
